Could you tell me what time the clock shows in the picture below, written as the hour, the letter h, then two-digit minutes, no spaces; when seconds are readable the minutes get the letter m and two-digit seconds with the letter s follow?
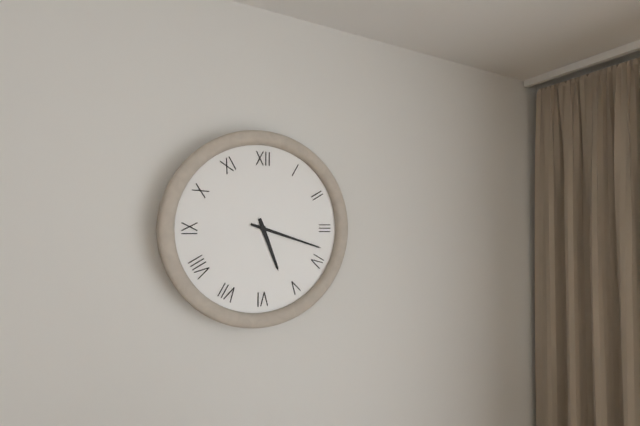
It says 5h18
